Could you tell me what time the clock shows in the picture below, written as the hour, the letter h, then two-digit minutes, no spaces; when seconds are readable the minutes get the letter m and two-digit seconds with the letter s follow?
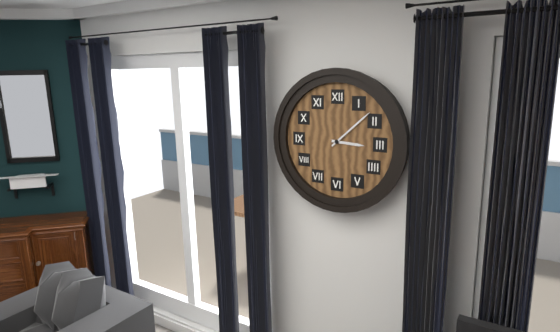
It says 3h08
